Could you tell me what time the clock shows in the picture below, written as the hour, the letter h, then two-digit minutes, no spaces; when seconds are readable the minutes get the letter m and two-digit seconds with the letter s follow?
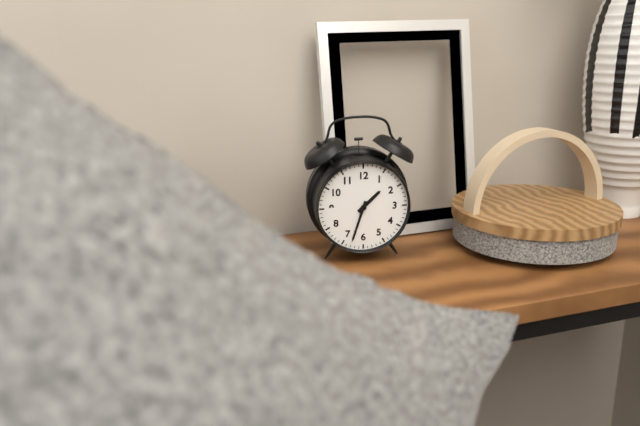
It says 1h33
